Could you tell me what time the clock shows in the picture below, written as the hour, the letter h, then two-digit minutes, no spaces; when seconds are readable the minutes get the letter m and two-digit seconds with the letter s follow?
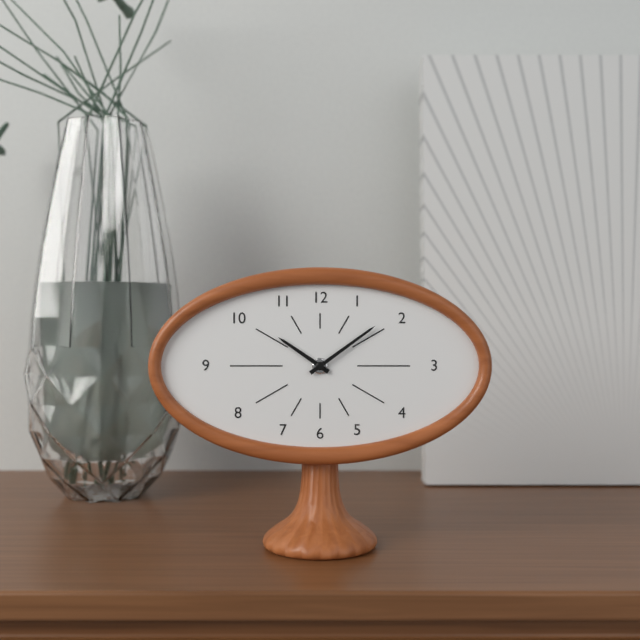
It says 10h09
